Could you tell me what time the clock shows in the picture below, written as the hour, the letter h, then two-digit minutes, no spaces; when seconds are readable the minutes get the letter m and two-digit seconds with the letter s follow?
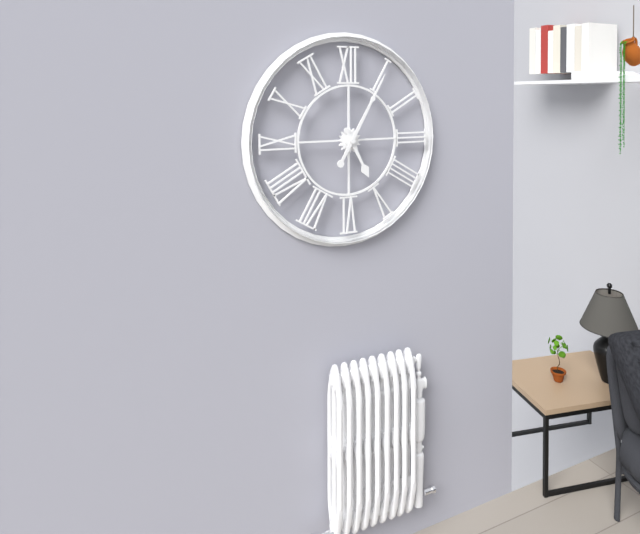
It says 5h05
